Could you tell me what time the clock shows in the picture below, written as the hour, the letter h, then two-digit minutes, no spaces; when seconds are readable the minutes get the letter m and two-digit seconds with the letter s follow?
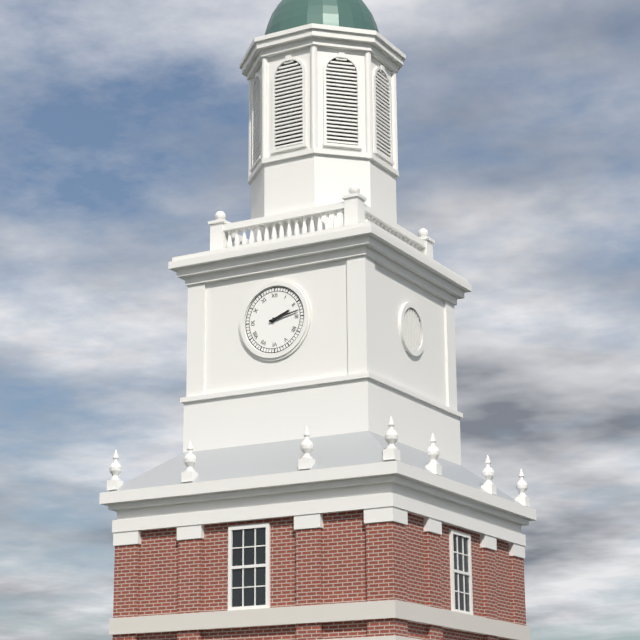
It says 2h13
